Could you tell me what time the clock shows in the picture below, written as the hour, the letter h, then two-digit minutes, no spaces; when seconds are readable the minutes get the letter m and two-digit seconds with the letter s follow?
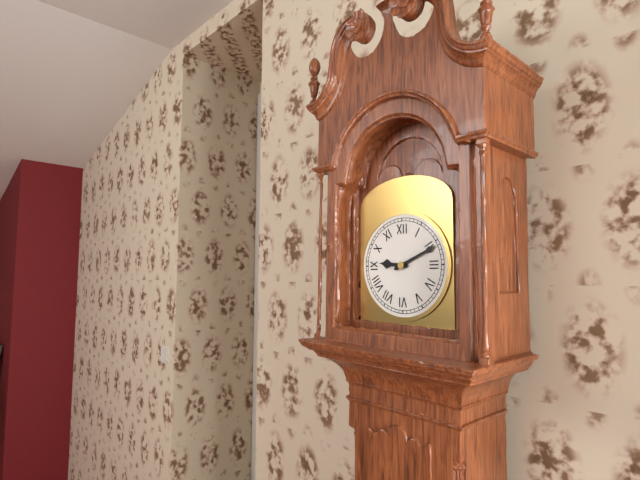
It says 9h11
